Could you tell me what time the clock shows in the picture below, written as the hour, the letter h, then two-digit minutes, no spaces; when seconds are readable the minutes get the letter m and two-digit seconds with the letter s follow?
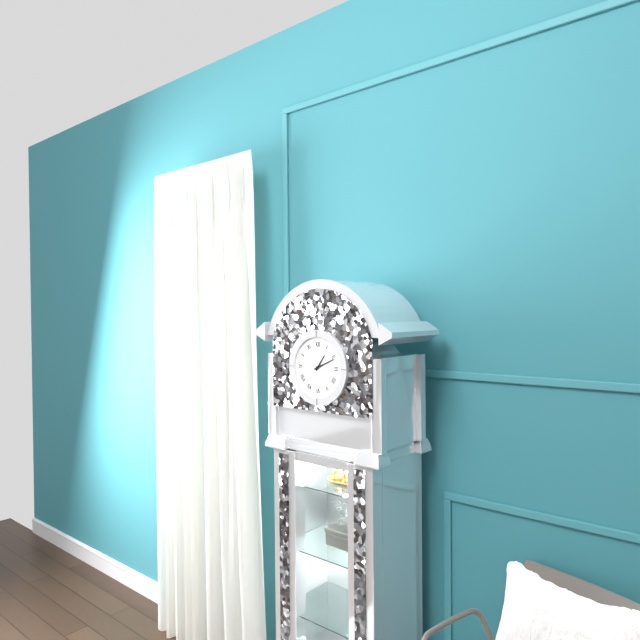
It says 1h11
